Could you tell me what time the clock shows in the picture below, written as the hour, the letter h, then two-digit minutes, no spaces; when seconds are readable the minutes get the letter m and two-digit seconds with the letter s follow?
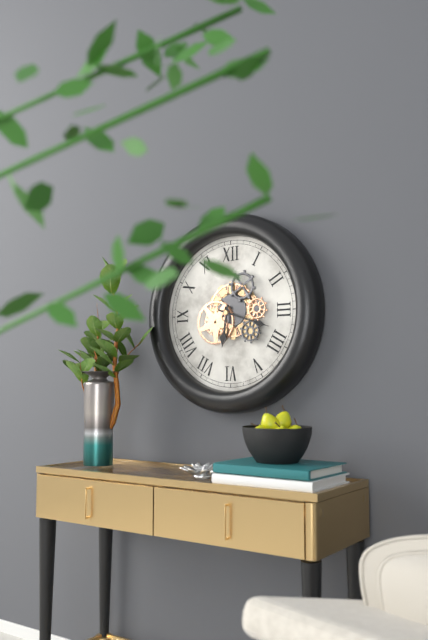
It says 6h18
